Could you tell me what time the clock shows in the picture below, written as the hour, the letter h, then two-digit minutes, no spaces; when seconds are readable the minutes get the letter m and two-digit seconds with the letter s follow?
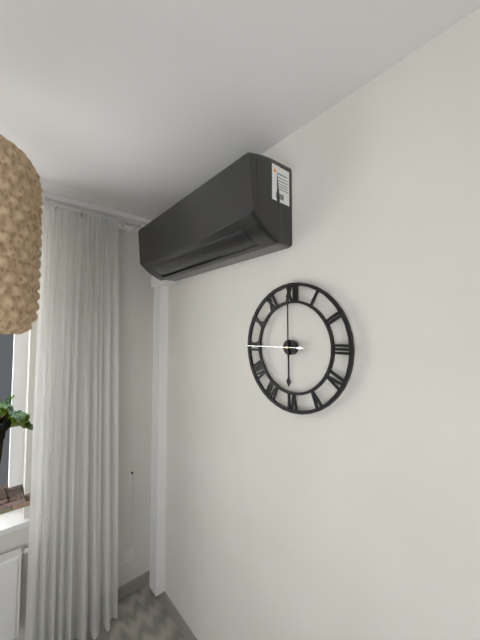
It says 6h00m45s
